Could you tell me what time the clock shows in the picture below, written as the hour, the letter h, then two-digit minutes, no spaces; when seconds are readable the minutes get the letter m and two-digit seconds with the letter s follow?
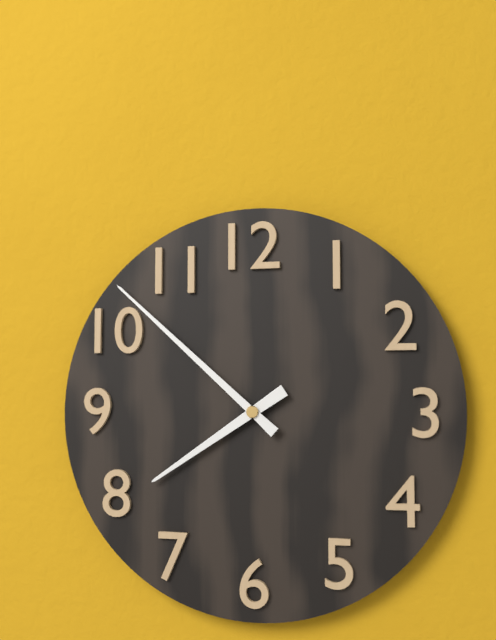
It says 7h52
